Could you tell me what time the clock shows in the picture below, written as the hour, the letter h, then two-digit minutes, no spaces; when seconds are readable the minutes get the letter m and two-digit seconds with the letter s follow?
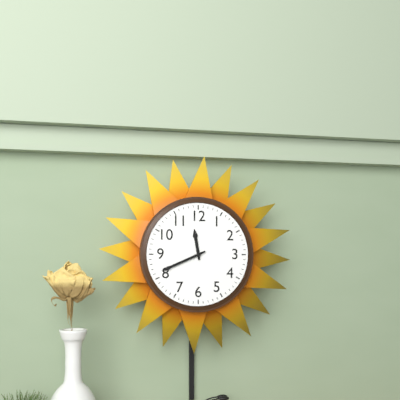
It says 11h41
